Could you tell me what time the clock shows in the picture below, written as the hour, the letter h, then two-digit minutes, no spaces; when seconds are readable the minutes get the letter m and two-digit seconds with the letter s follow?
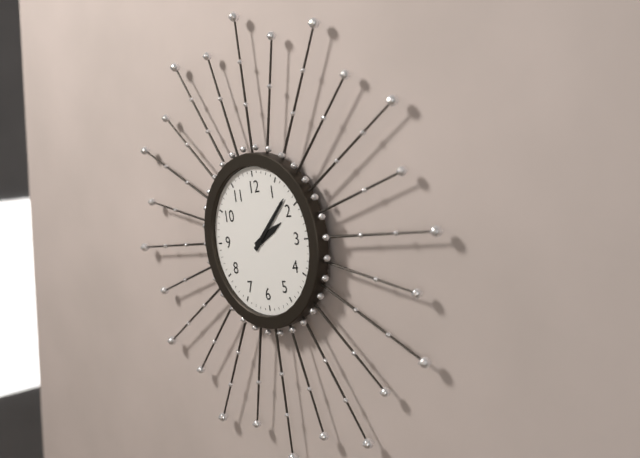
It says 2h08
